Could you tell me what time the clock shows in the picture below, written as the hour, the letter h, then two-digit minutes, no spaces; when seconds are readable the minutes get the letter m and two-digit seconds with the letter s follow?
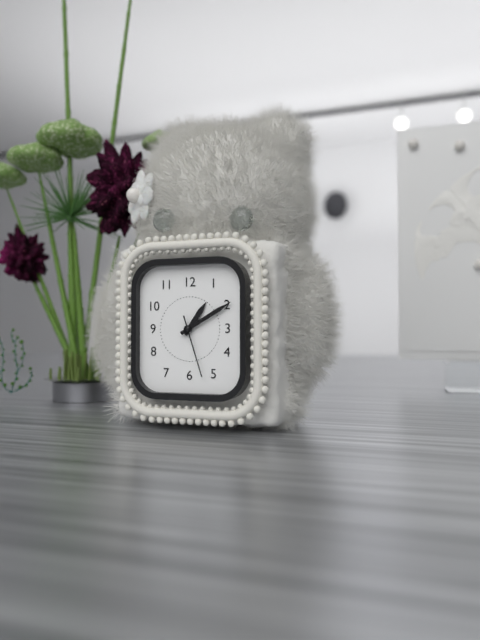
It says 1h10m27s
